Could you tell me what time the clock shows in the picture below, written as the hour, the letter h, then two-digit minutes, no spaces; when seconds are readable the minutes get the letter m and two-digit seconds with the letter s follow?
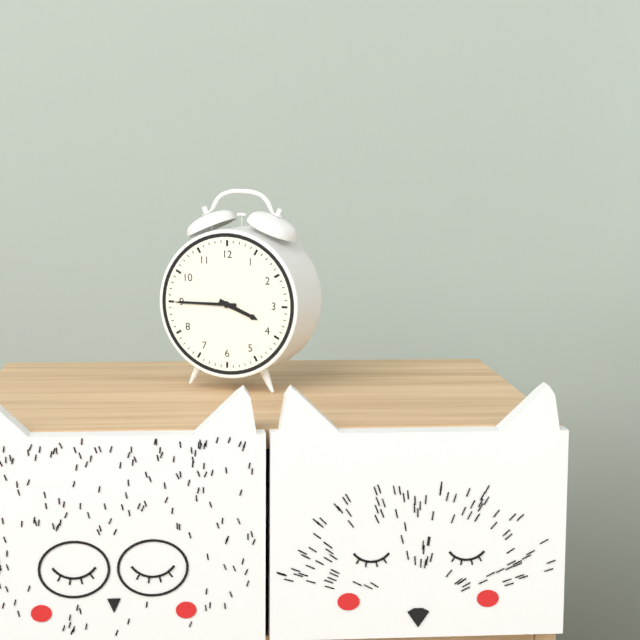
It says 3h45
